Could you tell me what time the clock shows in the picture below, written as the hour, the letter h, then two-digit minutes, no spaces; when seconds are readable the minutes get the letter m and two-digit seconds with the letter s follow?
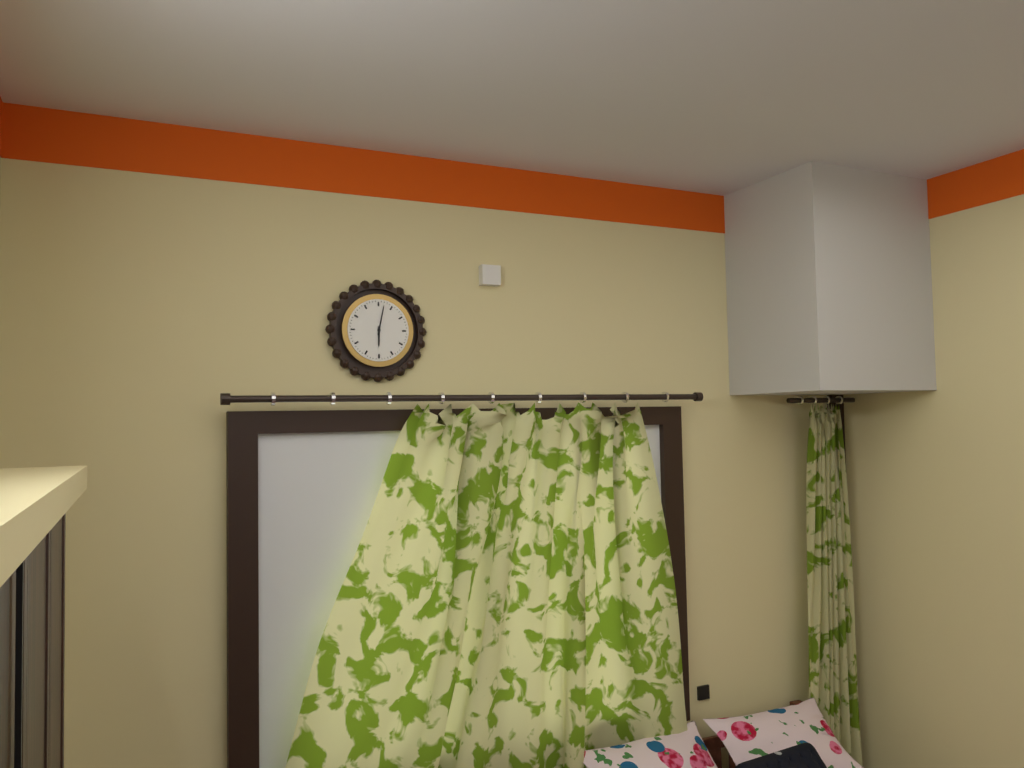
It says 6h02
